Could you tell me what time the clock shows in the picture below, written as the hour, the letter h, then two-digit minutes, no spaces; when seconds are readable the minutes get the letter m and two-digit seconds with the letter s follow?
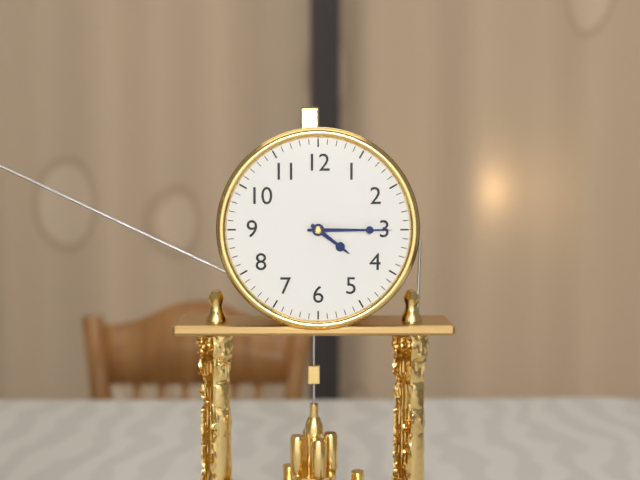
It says 4h15
